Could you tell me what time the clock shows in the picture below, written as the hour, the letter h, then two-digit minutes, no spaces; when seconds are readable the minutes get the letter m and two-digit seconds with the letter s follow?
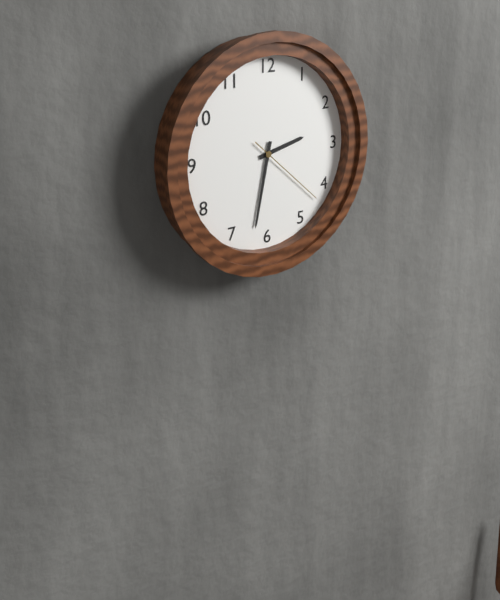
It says 2h32m22s
